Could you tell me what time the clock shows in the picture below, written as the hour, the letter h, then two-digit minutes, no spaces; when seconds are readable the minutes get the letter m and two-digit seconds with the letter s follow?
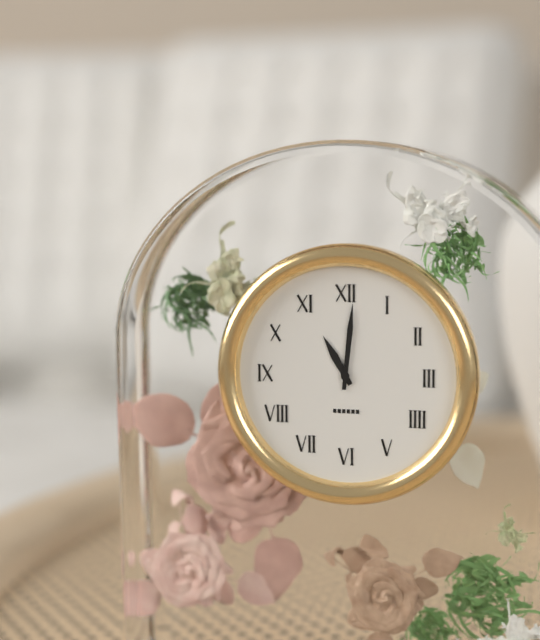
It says 11h01
